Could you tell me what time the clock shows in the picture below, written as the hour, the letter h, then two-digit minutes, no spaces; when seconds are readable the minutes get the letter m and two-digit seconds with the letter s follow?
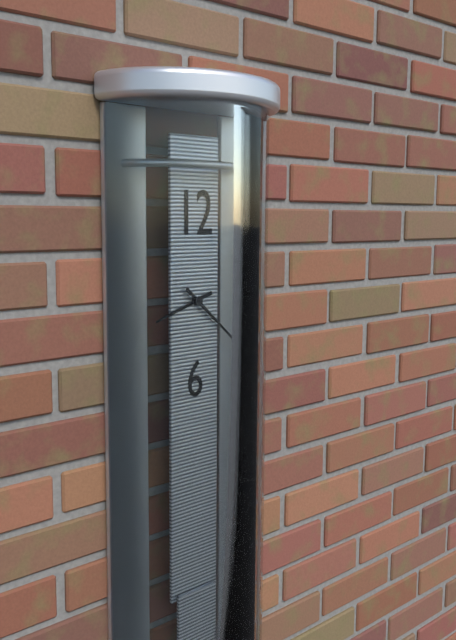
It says 8h22
